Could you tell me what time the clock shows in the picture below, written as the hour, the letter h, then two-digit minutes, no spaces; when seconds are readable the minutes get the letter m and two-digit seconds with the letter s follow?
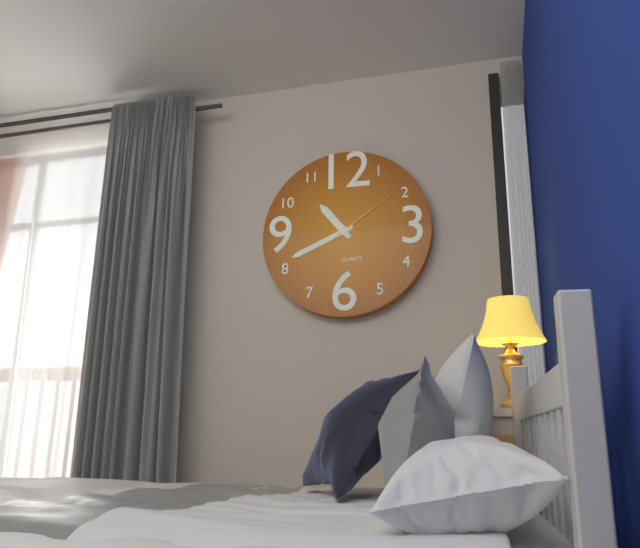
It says 10h41m09s
